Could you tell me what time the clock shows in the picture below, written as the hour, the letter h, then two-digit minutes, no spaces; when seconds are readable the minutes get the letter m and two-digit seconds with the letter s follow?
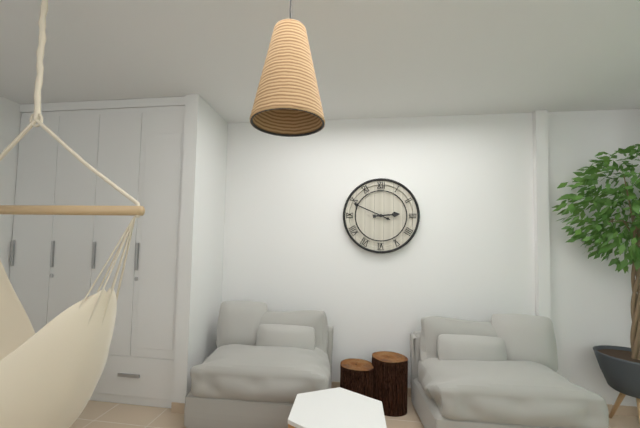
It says 2h49
